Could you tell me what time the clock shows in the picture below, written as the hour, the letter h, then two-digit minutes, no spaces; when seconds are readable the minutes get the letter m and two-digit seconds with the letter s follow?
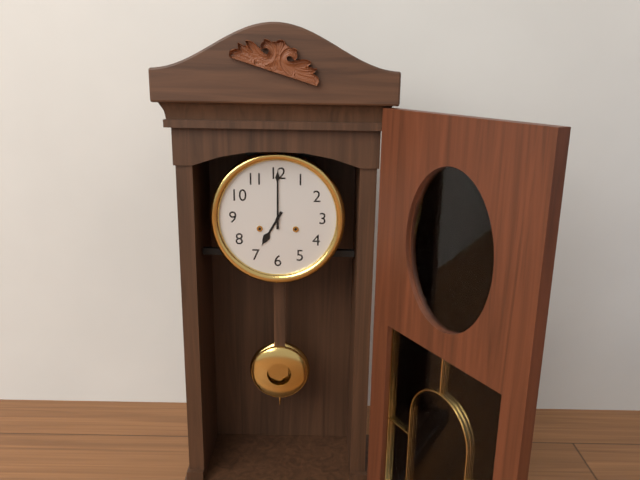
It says 7h00
